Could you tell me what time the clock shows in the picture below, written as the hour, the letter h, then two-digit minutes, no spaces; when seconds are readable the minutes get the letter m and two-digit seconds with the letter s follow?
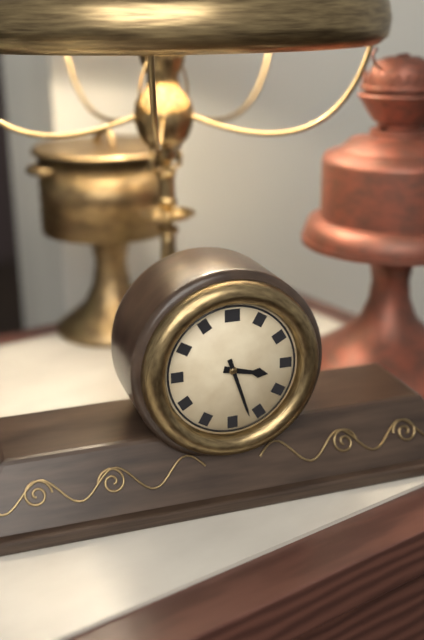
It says 3h27
